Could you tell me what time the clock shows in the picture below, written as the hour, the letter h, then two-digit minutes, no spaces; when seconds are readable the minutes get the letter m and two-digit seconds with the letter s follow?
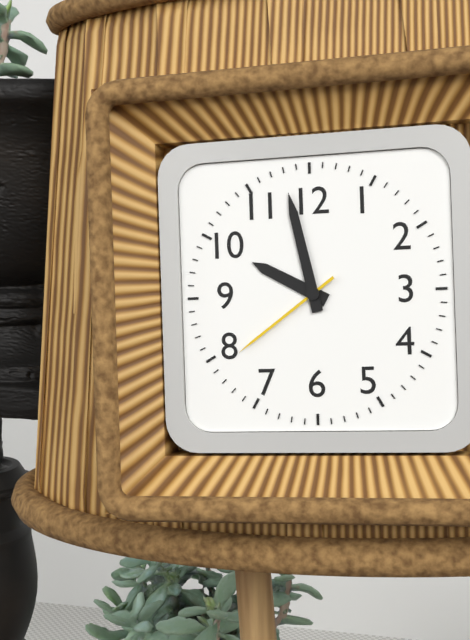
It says 9h58m39s
